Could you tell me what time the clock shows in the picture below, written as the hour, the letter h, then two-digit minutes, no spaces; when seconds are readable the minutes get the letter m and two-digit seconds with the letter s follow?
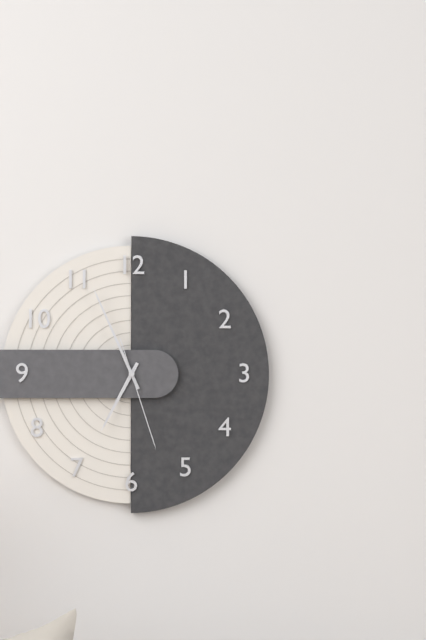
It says 6h56m27s
